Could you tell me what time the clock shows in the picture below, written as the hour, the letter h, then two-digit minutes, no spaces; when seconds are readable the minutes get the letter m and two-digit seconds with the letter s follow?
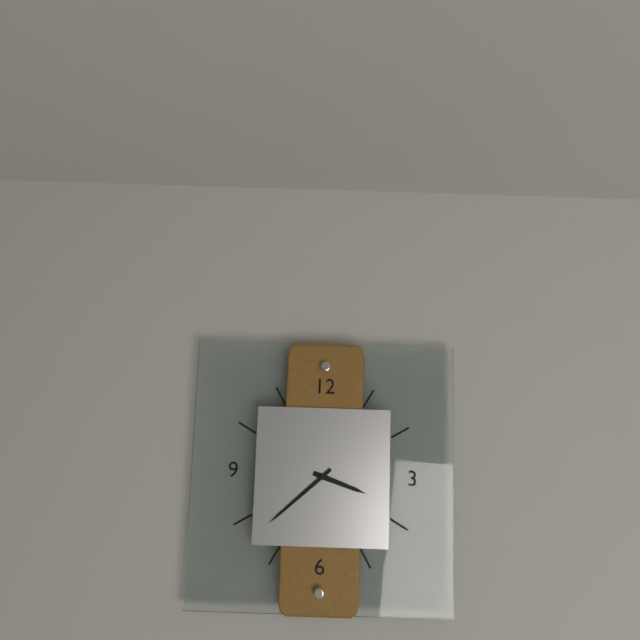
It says 3h38
